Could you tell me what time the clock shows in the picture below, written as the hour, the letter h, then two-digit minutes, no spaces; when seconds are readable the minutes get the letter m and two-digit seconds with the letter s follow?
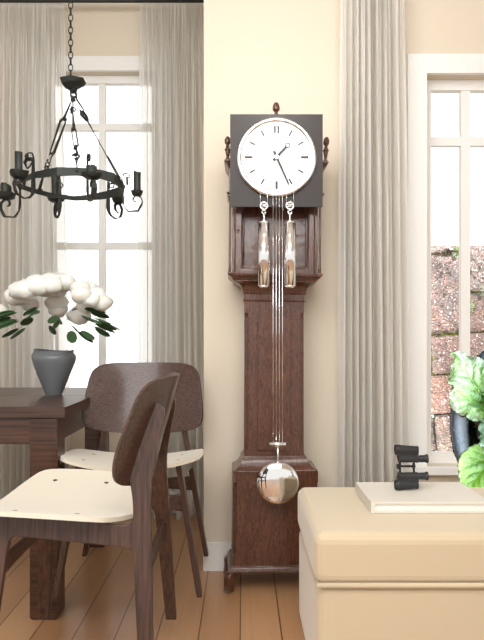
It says 1h26
